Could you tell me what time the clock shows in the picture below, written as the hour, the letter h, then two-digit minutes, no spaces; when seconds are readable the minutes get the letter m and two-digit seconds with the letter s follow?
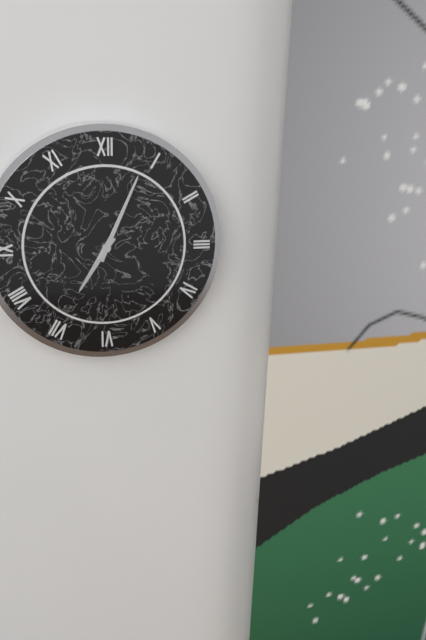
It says 7h04
